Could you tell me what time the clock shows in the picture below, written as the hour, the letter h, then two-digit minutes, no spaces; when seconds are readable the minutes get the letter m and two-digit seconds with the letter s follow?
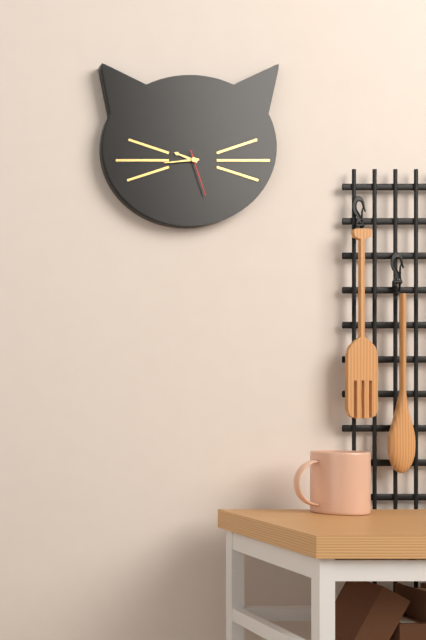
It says 9h44
